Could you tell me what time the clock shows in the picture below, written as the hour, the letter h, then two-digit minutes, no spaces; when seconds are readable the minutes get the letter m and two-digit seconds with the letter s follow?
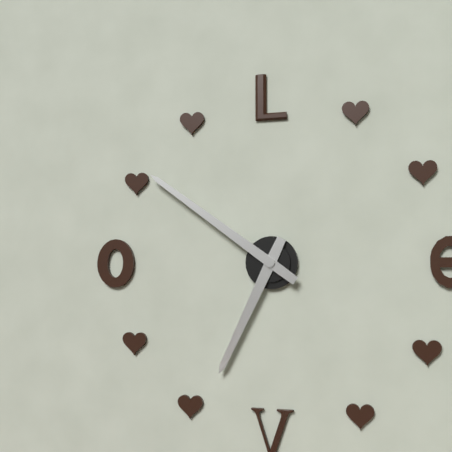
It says 6h51
